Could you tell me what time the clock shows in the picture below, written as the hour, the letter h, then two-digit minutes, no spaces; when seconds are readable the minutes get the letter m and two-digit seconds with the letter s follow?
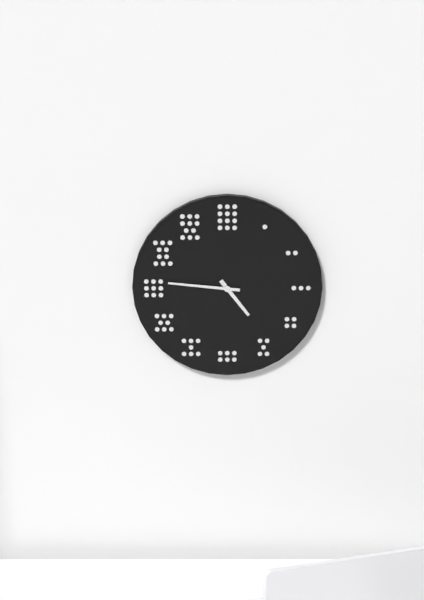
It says 4h46
